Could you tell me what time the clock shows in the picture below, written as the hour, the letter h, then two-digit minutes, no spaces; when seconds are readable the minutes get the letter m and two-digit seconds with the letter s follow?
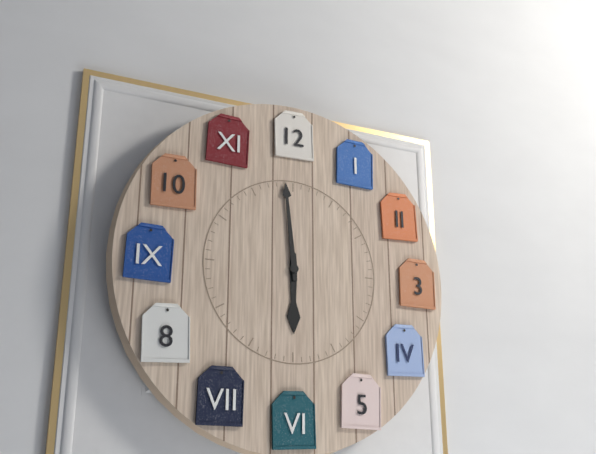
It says 5h59
